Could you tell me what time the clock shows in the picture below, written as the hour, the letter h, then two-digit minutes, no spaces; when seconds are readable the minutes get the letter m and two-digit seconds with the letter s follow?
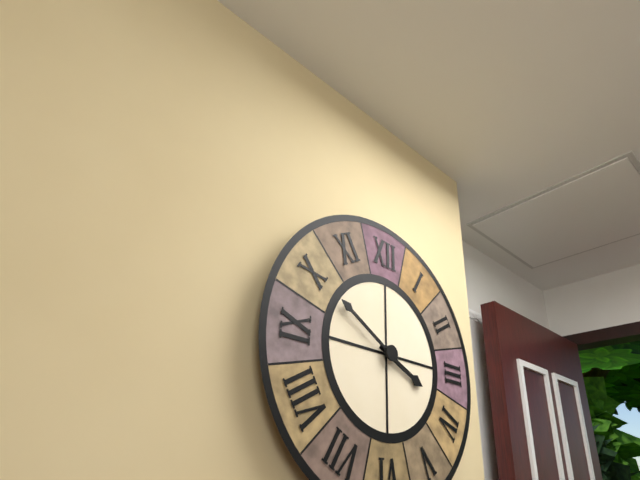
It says 3h50
